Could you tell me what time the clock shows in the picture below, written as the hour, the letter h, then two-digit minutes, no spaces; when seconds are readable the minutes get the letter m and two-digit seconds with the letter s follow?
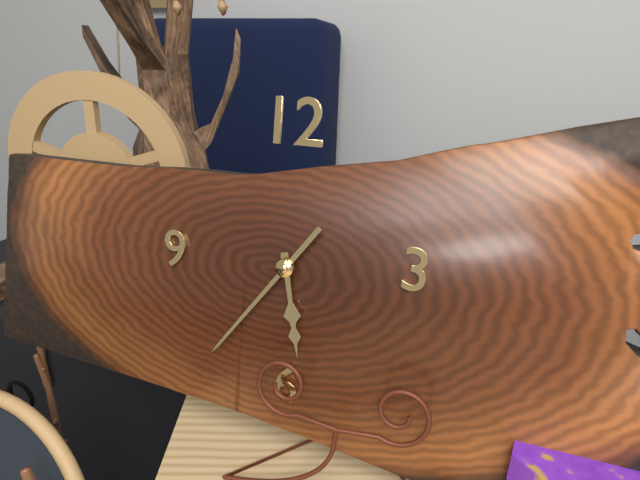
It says 5h36
